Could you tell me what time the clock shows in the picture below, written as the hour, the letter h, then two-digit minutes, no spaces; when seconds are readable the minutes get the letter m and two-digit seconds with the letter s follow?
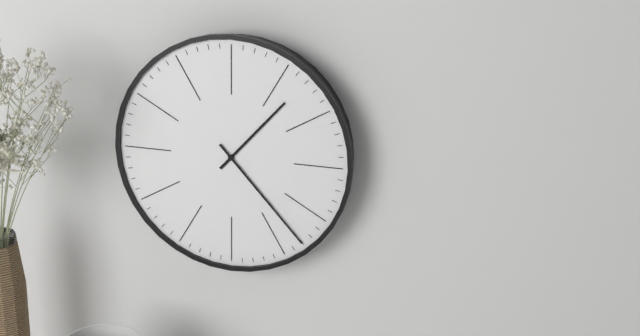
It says 1h23
